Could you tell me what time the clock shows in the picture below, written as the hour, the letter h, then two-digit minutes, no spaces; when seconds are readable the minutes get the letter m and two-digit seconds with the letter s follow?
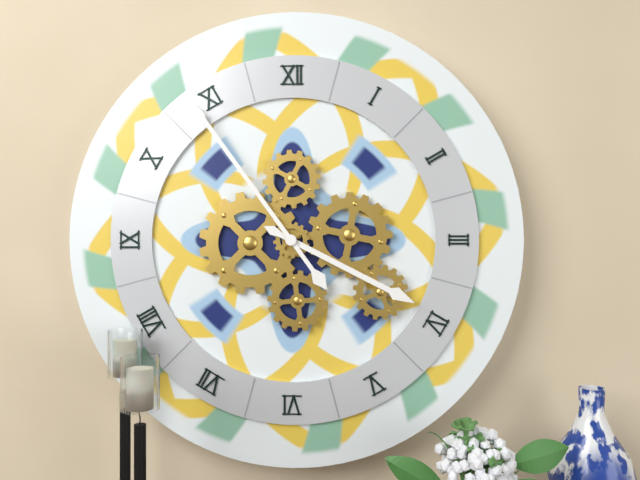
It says 3h54
